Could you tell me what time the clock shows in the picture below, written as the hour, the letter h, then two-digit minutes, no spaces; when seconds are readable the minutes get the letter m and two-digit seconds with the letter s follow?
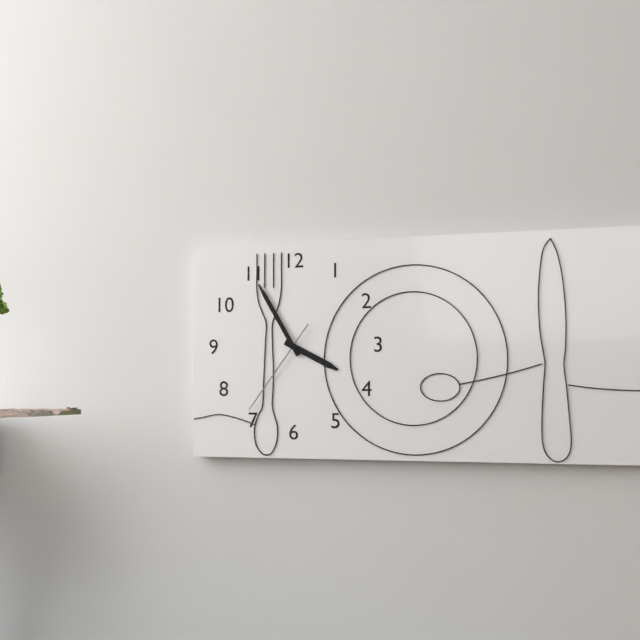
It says 3h55m36s
